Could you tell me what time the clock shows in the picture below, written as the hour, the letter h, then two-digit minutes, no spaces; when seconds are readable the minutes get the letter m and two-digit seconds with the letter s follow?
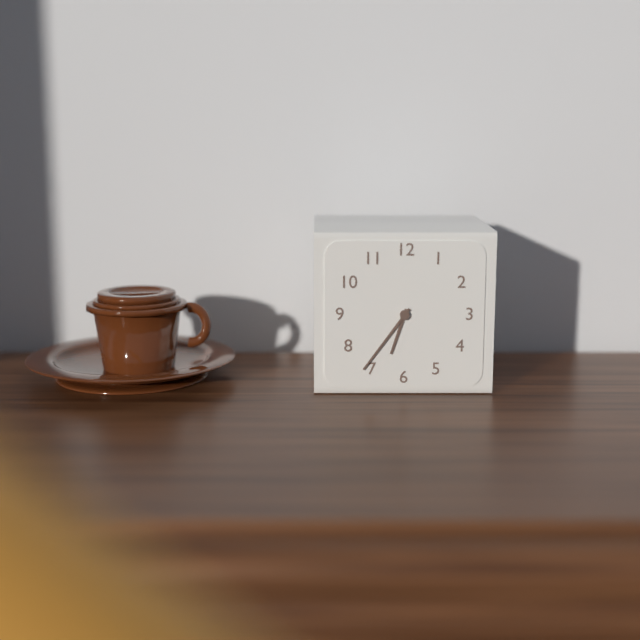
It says 6h36
